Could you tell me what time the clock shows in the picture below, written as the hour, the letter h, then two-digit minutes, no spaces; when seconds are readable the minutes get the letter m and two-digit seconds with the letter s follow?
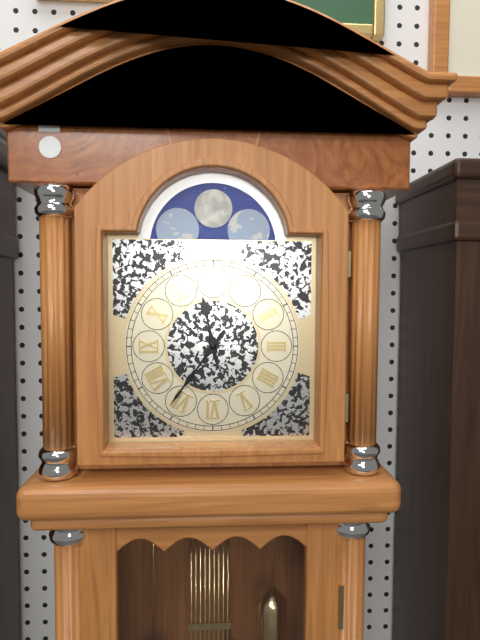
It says 11h36
